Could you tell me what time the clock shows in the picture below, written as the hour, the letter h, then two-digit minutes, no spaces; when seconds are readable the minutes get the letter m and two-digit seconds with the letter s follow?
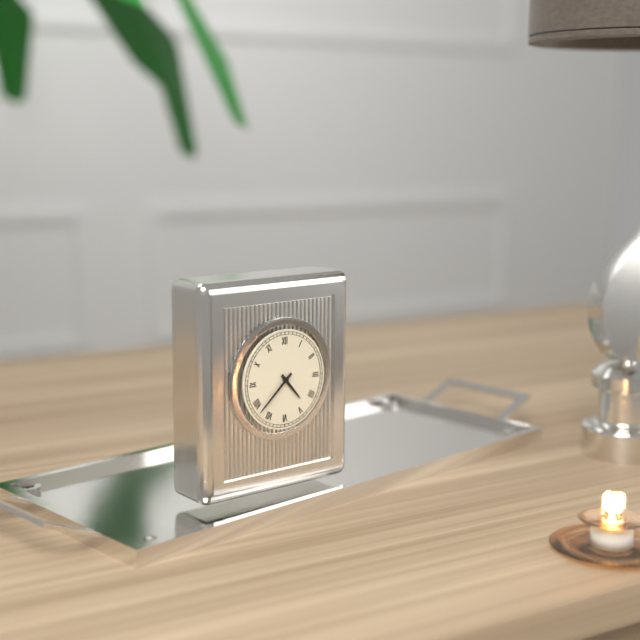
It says 4h38
